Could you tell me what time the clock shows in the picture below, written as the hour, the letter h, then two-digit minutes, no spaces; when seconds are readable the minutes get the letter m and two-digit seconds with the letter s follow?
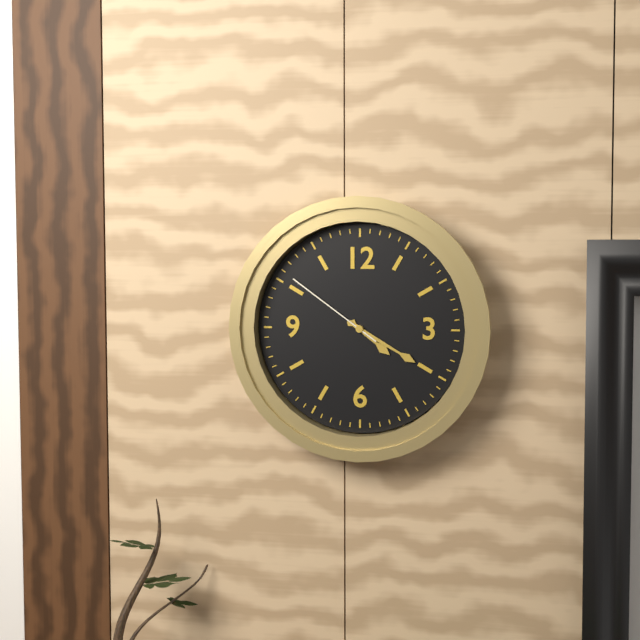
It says 4h20m51s
